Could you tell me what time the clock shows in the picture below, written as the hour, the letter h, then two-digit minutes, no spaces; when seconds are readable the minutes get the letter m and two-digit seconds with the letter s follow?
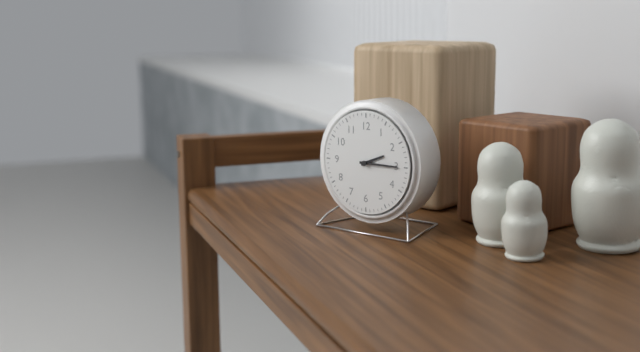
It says 2h15
